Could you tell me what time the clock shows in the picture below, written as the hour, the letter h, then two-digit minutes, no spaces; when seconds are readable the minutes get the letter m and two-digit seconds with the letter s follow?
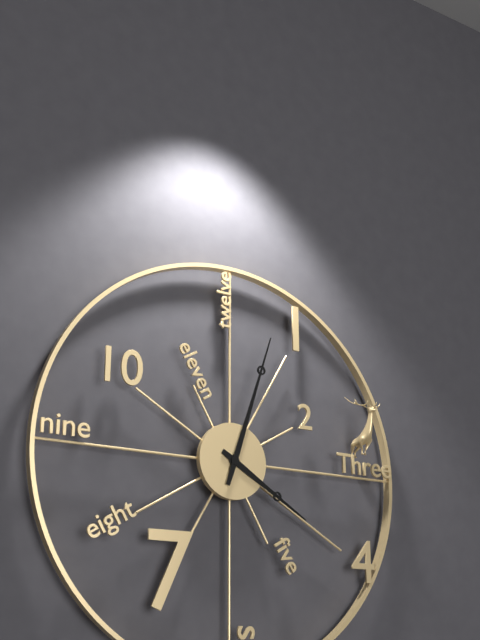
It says 4h03
